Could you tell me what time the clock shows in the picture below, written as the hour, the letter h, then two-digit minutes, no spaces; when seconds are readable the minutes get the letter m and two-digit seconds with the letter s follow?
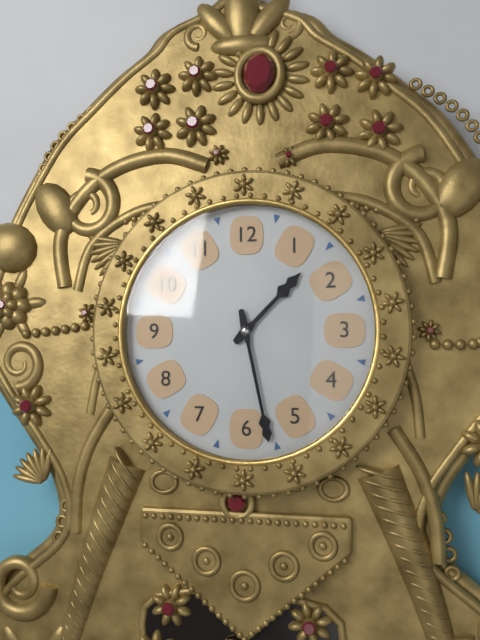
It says 1h28
